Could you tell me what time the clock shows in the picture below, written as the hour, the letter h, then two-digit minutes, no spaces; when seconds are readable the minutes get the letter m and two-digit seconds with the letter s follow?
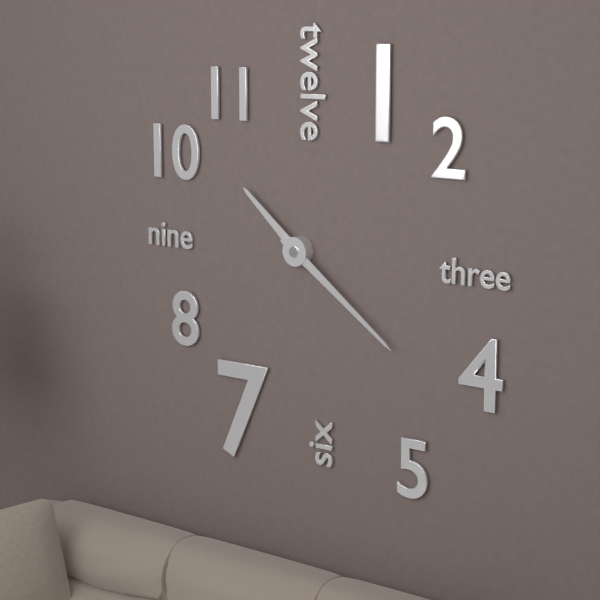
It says 10h21
